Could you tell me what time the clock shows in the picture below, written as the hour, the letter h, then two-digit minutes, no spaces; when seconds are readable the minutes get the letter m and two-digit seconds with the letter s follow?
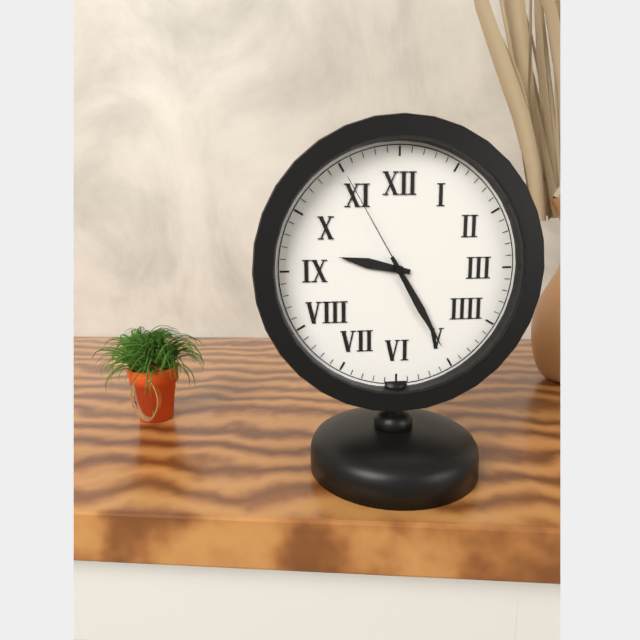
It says 9h25m55s
